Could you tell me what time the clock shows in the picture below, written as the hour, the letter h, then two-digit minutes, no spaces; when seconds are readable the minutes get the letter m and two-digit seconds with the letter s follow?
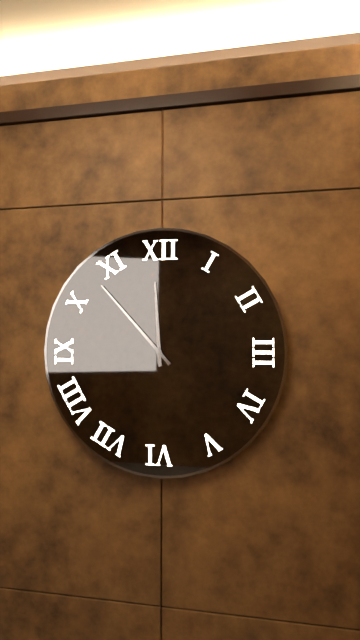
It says 11h53
